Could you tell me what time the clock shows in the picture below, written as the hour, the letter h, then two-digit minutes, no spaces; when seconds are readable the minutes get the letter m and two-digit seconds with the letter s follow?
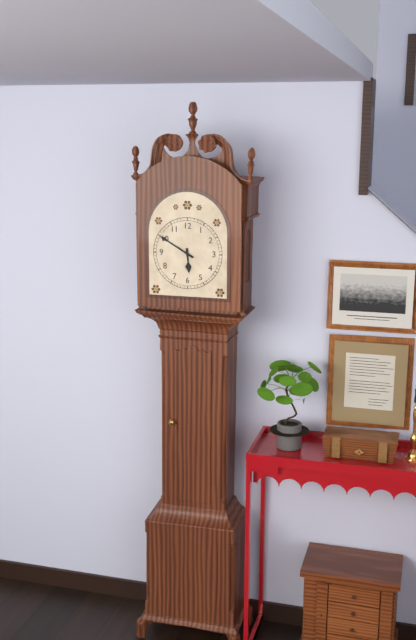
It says 5h50
